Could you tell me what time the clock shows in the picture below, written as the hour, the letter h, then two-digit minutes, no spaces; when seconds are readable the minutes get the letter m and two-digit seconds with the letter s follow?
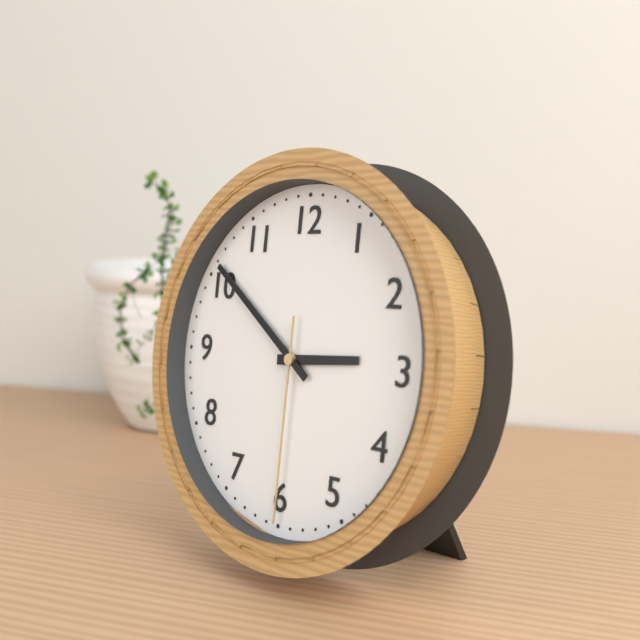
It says 2h51m30s
